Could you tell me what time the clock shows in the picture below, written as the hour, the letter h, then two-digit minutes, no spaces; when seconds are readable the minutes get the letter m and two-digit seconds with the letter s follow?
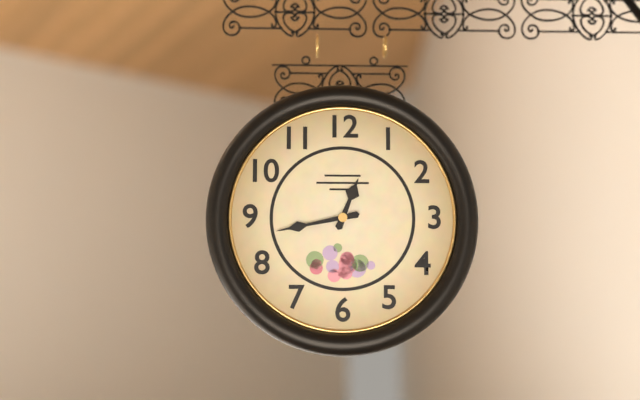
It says 12h43
